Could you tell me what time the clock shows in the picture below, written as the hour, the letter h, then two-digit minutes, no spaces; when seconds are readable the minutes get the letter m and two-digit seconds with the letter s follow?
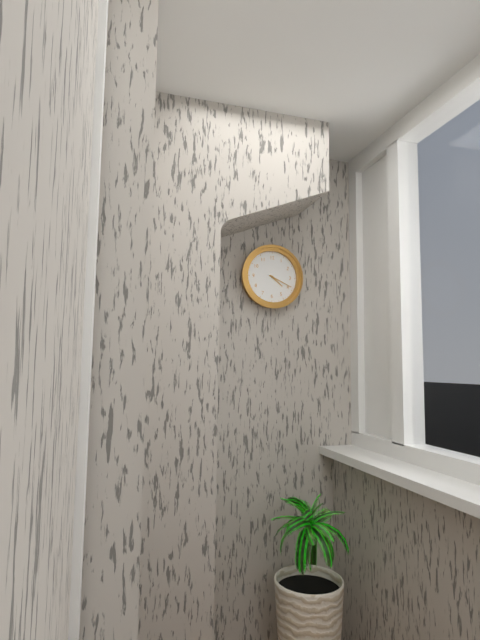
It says 4h19
